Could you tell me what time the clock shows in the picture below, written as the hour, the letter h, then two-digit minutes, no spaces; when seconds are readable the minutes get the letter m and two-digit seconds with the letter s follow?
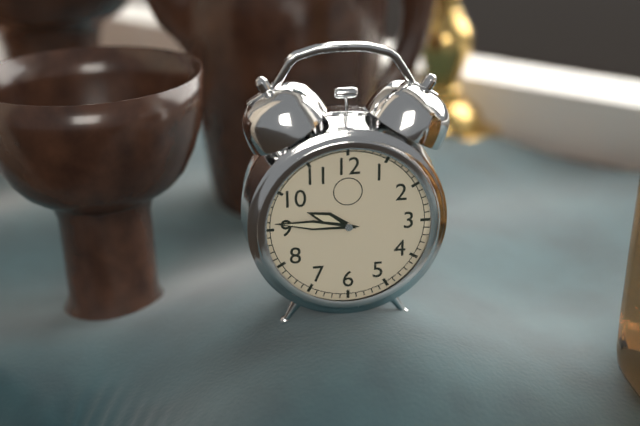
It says 9h46
